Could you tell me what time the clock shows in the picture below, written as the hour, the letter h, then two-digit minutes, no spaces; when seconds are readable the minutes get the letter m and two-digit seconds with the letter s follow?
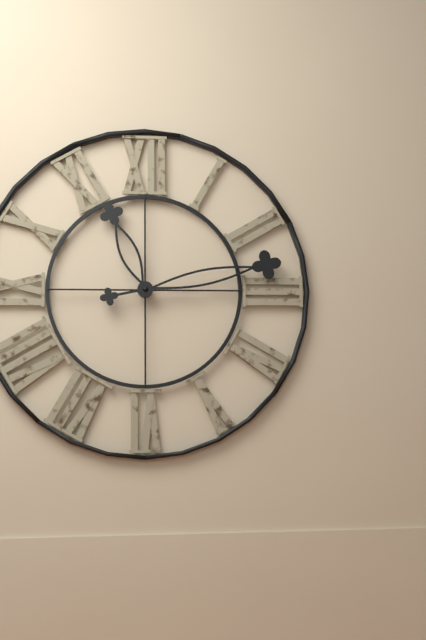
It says 11h13
